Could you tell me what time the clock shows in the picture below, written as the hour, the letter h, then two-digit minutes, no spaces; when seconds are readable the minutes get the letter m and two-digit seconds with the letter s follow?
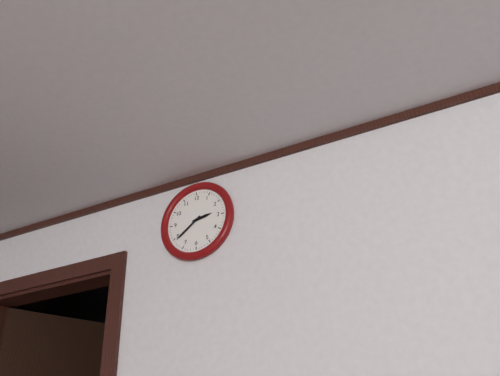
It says 2h39
